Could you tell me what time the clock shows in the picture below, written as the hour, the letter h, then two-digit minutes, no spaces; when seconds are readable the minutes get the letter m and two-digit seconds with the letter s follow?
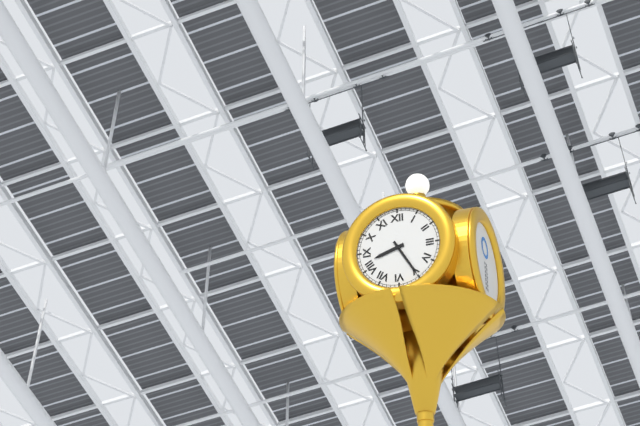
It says 8h25
